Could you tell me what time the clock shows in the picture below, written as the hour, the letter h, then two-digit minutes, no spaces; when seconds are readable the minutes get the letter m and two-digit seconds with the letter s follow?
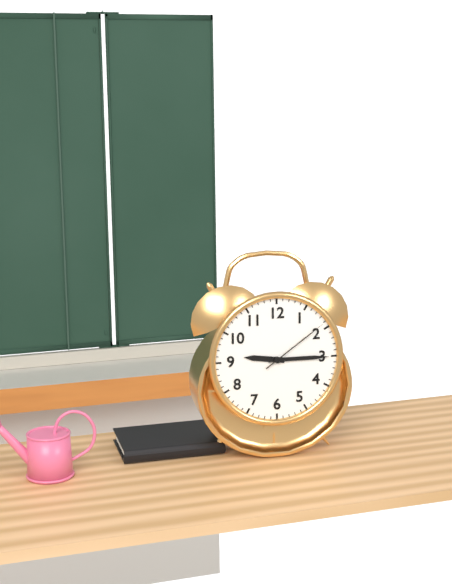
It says 9h15m09s
